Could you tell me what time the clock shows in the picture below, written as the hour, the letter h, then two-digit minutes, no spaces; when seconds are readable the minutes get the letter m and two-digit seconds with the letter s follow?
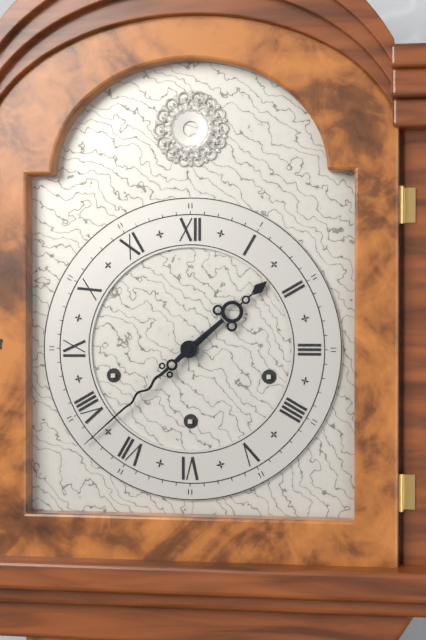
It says 1h38
